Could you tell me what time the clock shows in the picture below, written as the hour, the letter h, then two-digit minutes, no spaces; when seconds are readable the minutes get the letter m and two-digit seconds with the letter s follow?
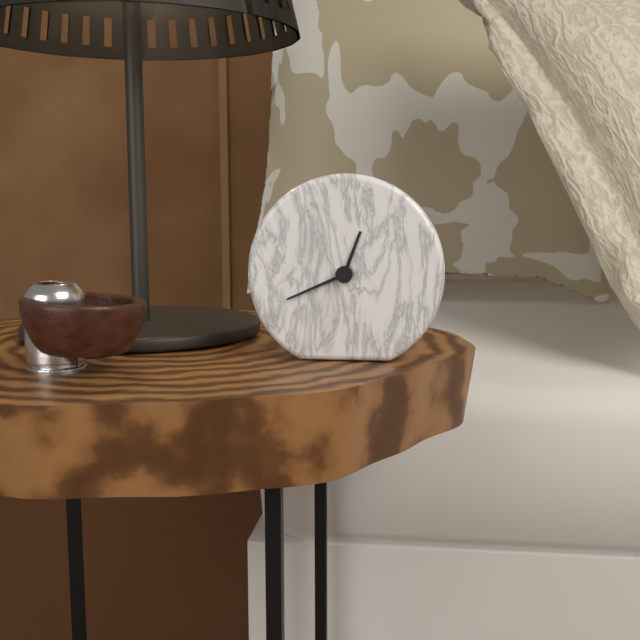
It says 12h41
